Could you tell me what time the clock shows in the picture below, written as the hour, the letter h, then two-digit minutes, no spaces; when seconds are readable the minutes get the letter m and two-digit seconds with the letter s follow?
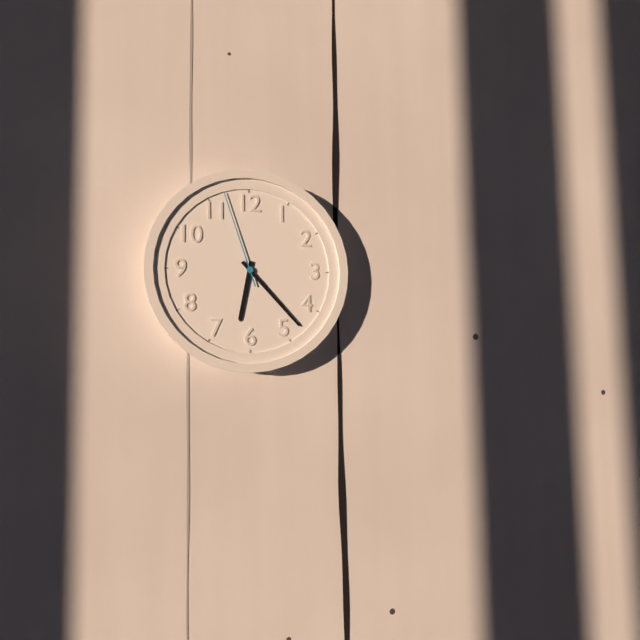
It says 6h23m57s
